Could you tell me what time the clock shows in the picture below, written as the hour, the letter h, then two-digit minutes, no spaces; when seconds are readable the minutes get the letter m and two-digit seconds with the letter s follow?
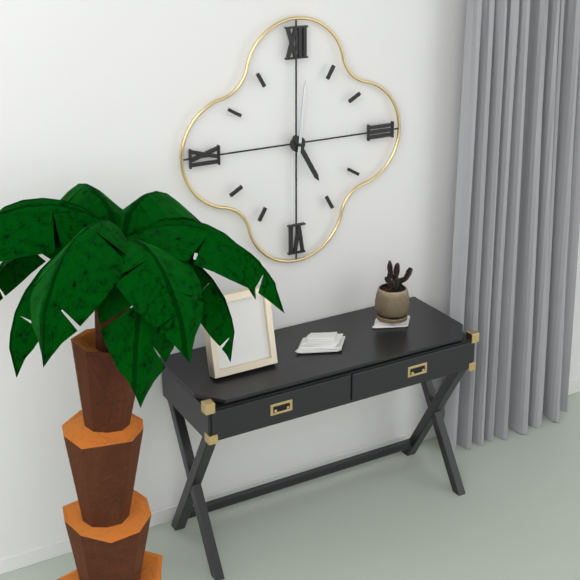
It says 5h01
